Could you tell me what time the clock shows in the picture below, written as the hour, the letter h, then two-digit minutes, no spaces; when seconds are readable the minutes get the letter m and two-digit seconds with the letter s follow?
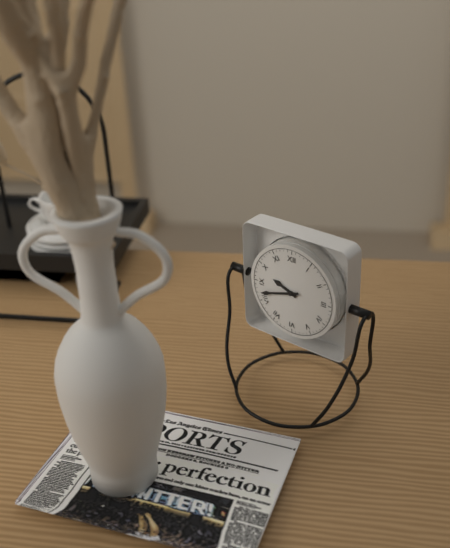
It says 9h42
